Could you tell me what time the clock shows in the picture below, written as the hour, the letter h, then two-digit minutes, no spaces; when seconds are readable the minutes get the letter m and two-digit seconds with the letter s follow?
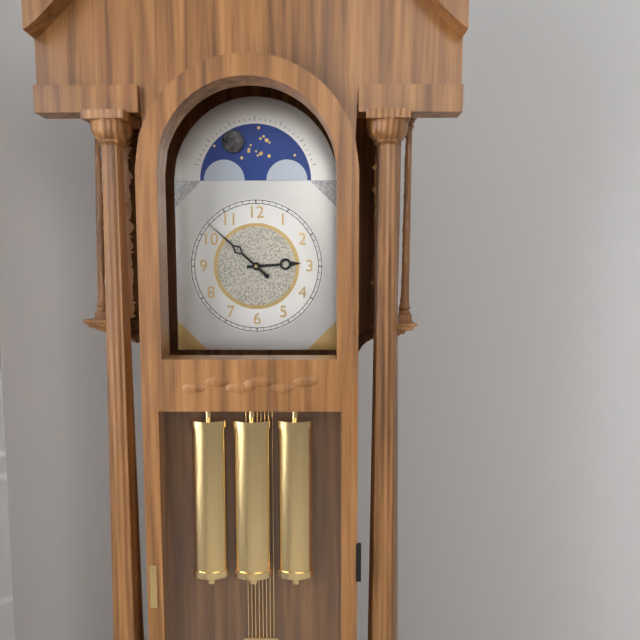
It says 2h52
